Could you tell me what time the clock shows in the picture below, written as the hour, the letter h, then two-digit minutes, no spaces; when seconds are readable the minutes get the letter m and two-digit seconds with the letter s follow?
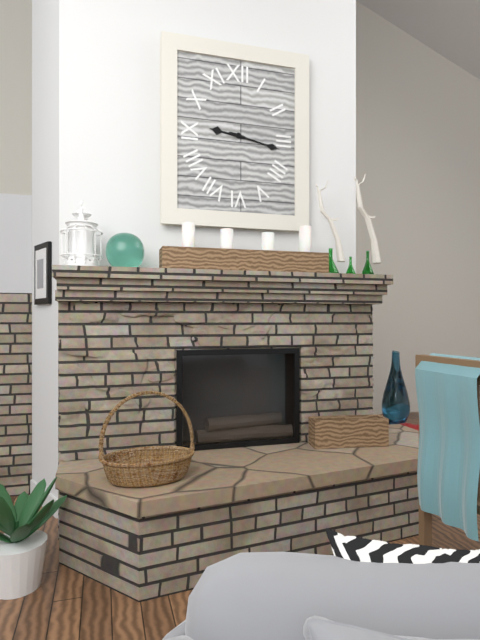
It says 9h17
